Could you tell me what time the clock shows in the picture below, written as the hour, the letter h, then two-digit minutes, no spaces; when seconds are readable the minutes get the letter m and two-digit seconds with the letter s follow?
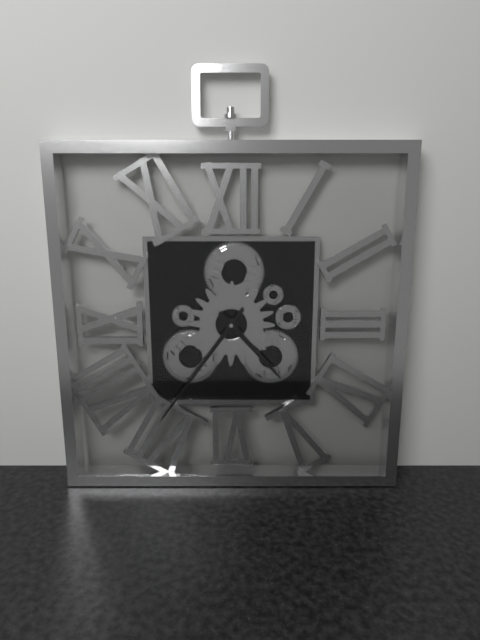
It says 4h36
